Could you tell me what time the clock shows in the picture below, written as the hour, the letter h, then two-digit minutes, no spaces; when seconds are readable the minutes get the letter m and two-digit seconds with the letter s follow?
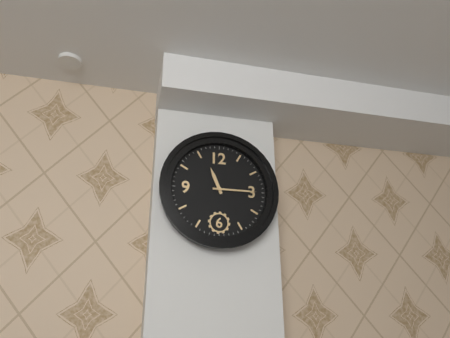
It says 11h15
